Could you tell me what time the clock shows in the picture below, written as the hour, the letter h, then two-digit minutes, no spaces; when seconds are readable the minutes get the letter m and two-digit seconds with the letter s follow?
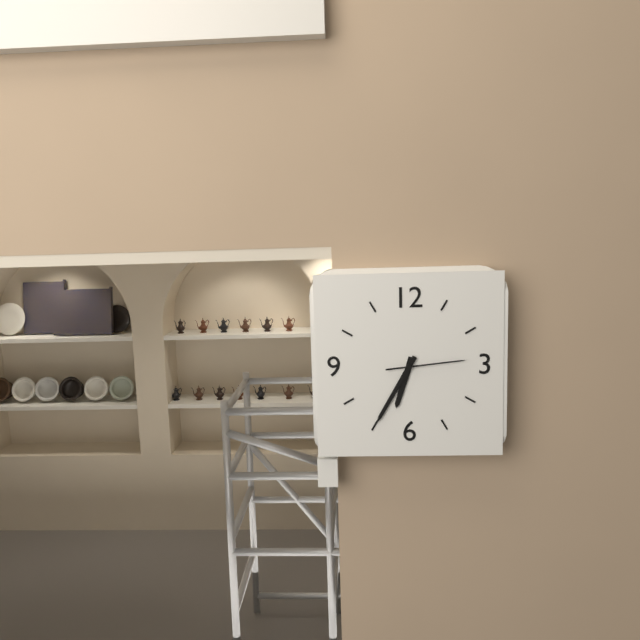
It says 6h35m14s
